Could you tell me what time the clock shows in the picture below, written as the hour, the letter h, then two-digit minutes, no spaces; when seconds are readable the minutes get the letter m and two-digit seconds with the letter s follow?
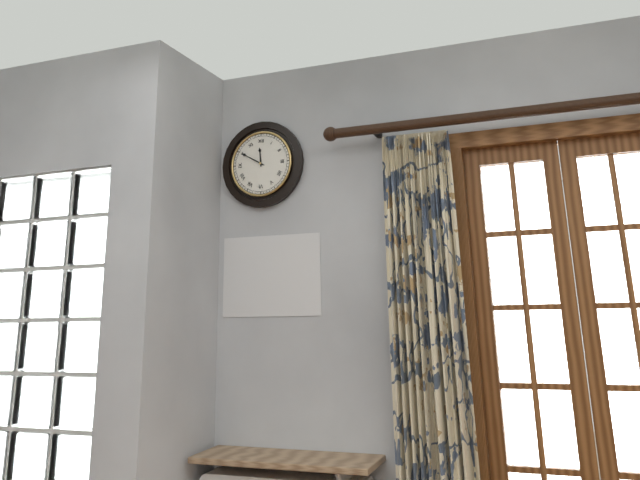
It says 11h50
